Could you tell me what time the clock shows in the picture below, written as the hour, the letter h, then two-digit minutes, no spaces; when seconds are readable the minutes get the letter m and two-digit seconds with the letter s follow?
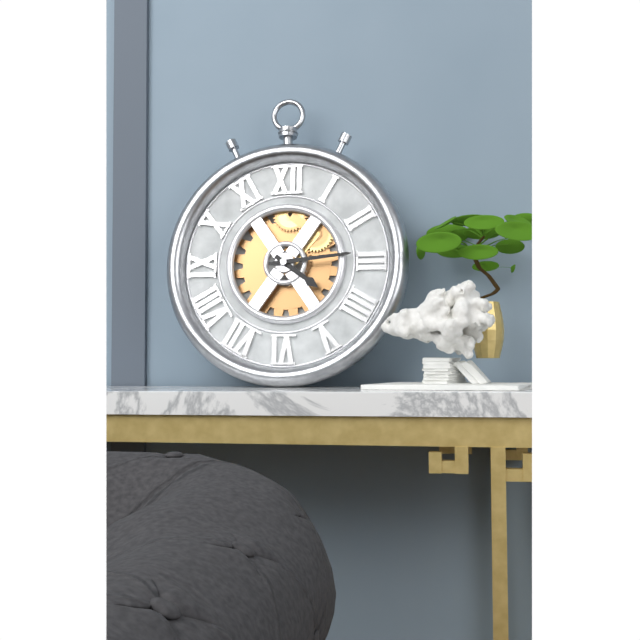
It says 4h14
